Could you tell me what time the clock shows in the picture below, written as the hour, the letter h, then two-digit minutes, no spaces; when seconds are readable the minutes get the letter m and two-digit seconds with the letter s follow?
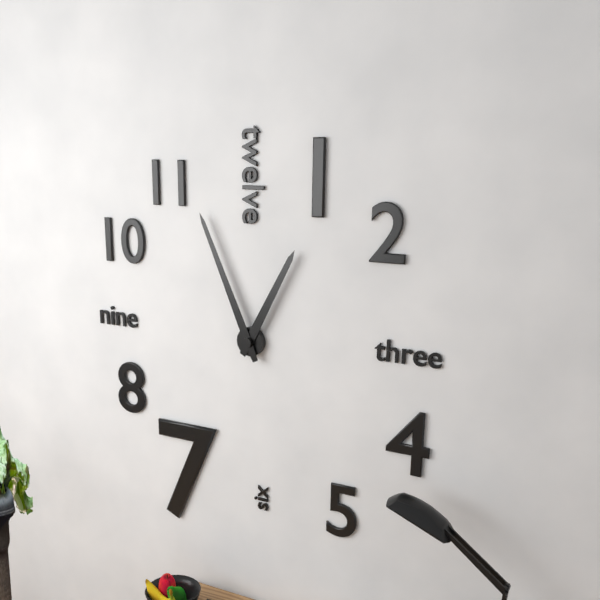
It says 12h56
